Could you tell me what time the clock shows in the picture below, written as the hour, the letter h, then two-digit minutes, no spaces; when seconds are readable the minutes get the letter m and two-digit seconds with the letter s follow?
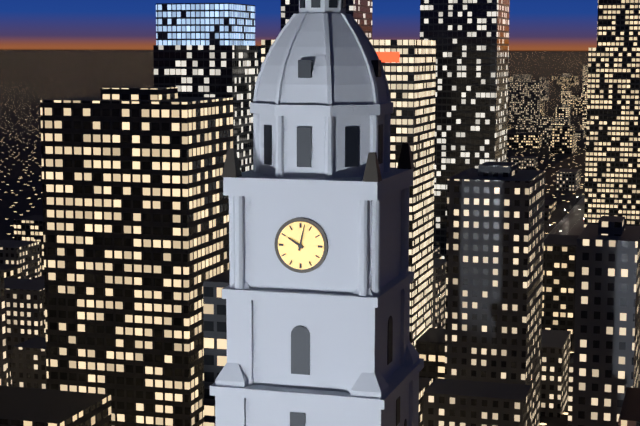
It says 10h02
